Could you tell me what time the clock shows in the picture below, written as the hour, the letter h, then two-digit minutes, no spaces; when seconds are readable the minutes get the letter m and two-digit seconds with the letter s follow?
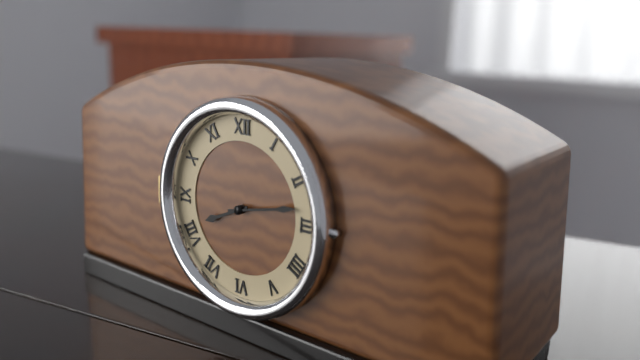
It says 8h13
